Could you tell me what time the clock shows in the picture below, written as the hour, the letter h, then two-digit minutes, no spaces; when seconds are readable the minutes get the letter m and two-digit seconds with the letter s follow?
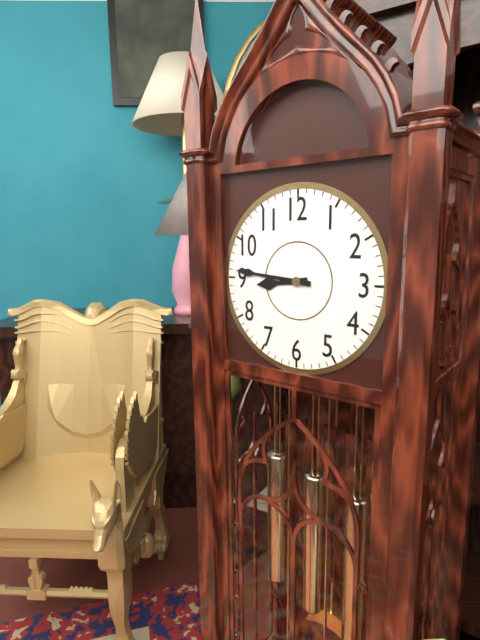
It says 8h46
